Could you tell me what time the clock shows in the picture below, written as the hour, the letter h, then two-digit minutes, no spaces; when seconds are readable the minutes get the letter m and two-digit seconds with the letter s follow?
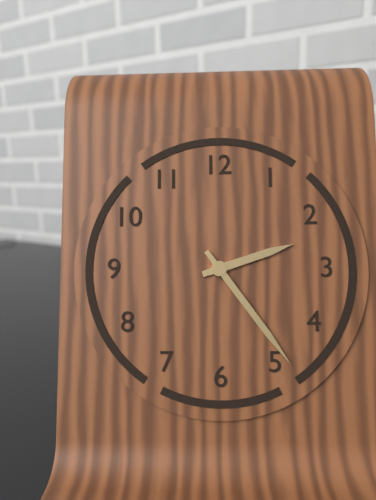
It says 2h24
